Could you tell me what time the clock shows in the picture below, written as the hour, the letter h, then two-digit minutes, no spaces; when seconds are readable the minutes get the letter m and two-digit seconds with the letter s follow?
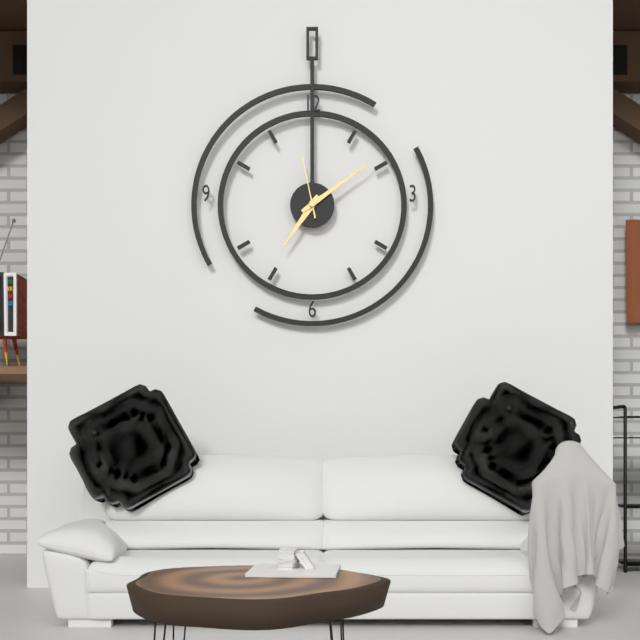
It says 7h09m58s
